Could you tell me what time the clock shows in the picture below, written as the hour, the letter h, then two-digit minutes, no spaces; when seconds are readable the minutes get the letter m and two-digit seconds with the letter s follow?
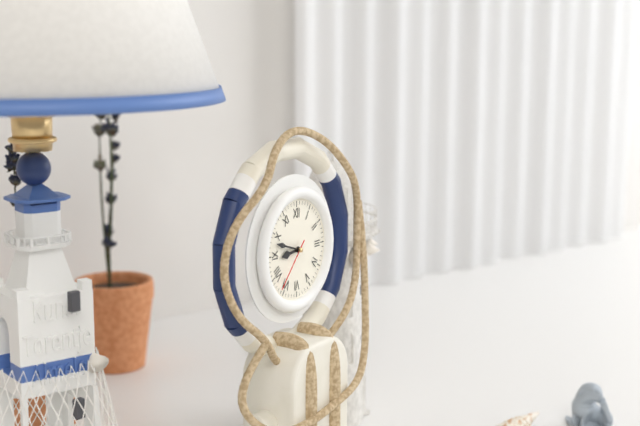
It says 8h48m37s
